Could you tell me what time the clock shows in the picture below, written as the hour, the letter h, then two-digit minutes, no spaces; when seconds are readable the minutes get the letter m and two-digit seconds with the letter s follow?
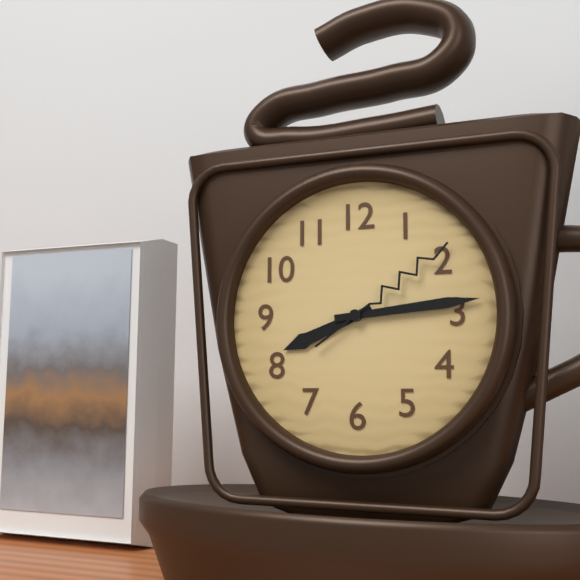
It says 8h14m09s
